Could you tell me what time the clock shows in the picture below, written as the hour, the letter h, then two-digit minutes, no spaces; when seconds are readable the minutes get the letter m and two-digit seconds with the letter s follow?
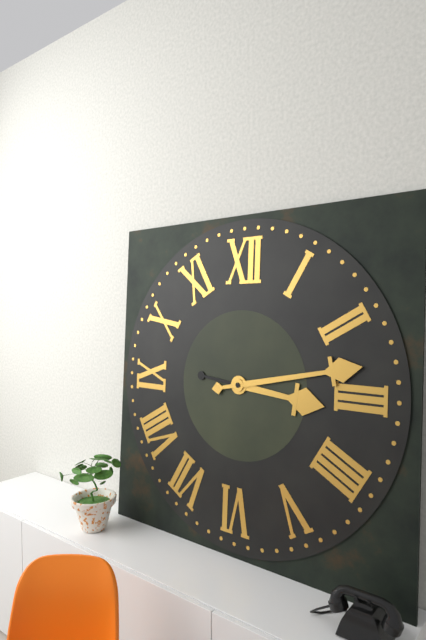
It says 3h13
